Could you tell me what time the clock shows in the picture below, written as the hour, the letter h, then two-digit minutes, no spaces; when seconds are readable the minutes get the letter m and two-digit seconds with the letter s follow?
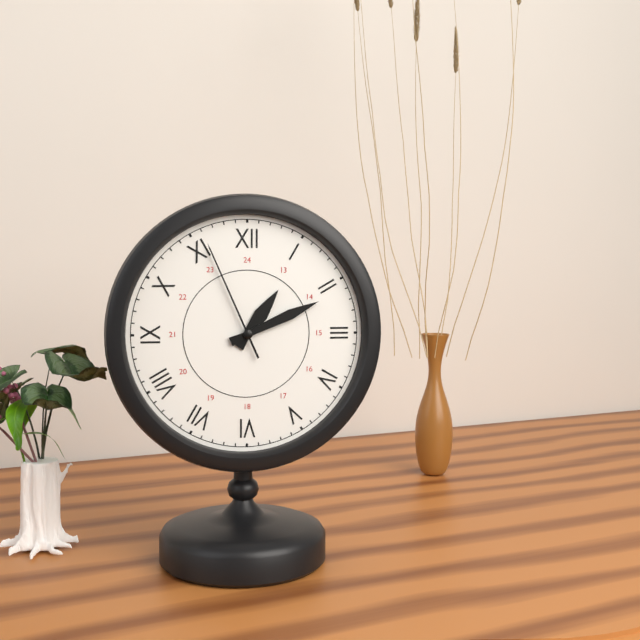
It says 1h11m56s
